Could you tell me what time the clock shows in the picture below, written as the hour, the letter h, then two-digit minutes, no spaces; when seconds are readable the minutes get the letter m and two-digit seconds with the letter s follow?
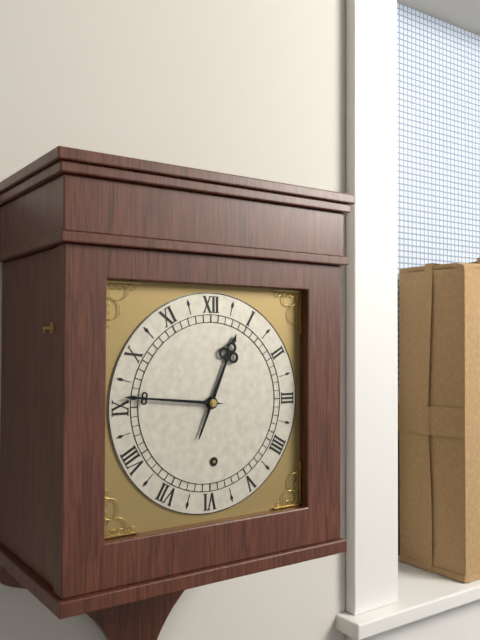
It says 12h46
